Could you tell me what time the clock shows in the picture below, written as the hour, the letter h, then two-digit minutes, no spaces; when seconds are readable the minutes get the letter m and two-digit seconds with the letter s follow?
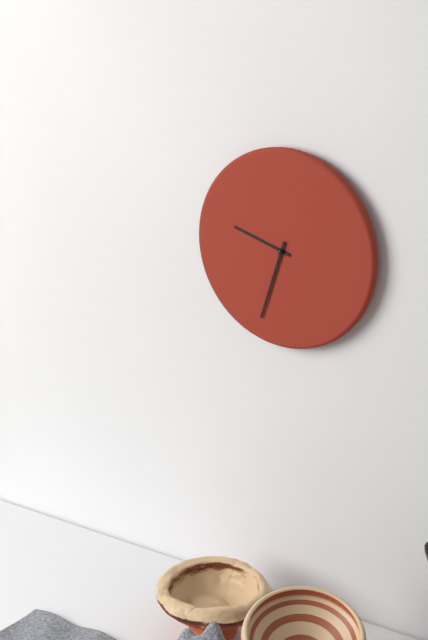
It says 9h33
